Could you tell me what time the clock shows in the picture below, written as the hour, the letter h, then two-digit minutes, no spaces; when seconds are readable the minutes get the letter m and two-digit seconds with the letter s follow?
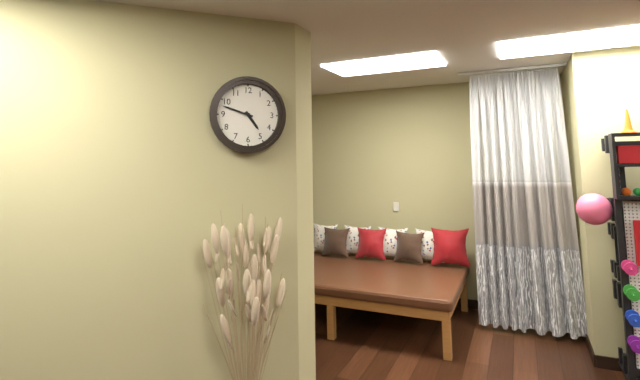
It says 4h48
